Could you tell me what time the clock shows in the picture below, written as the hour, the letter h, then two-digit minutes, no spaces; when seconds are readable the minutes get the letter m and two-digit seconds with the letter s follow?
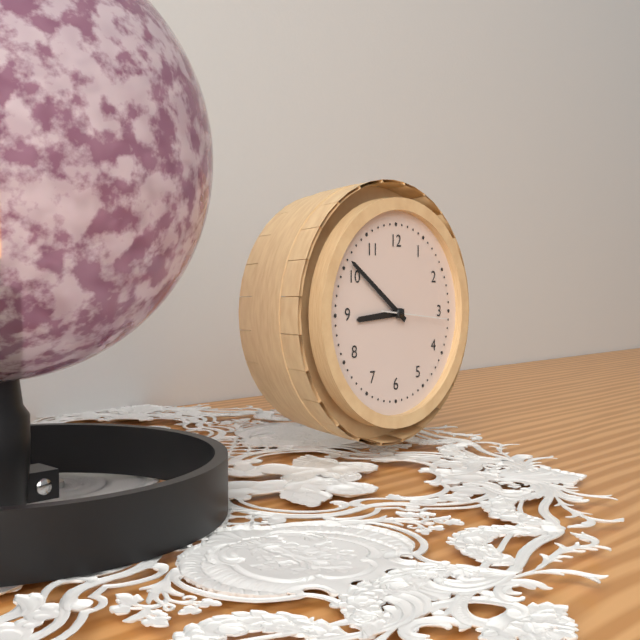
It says 8h51m16s
